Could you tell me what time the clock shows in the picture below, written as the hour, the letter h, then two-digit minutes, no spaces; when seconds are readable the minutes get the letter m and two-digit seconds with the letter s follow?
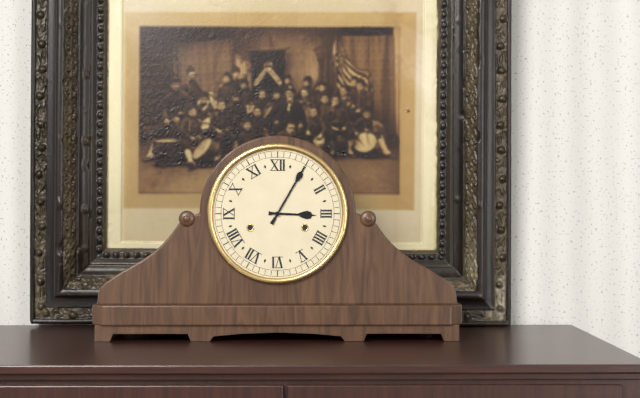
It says 3h05
